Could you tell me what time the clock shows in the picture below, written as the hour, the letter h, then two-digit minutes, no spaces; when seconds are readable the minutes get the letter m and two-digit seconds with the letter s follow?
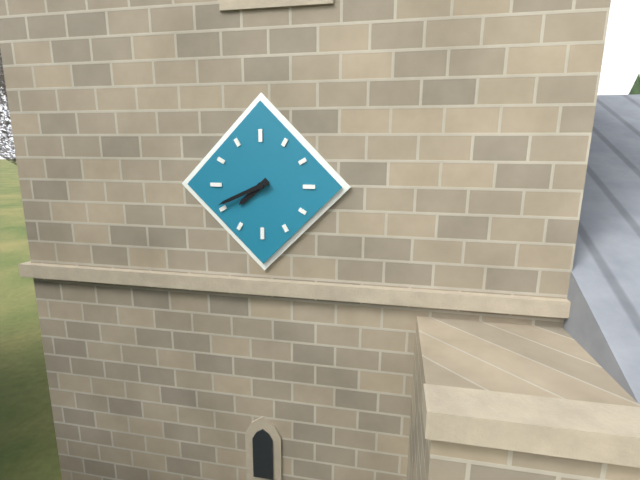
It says 7h41
